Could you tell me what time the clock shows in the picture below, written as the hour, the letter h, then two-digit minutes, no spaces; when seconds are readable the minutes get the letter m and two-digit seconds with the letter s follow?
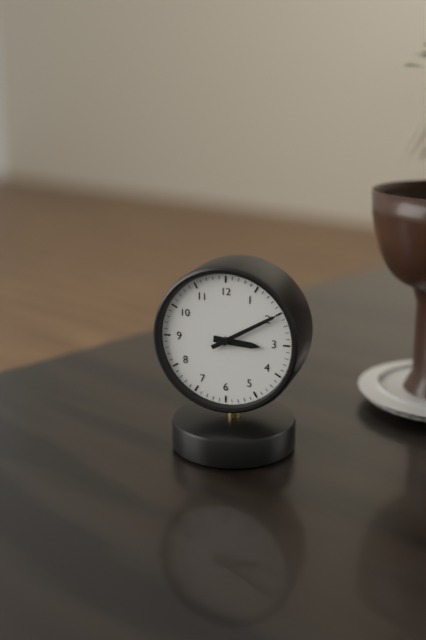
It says 3h10
